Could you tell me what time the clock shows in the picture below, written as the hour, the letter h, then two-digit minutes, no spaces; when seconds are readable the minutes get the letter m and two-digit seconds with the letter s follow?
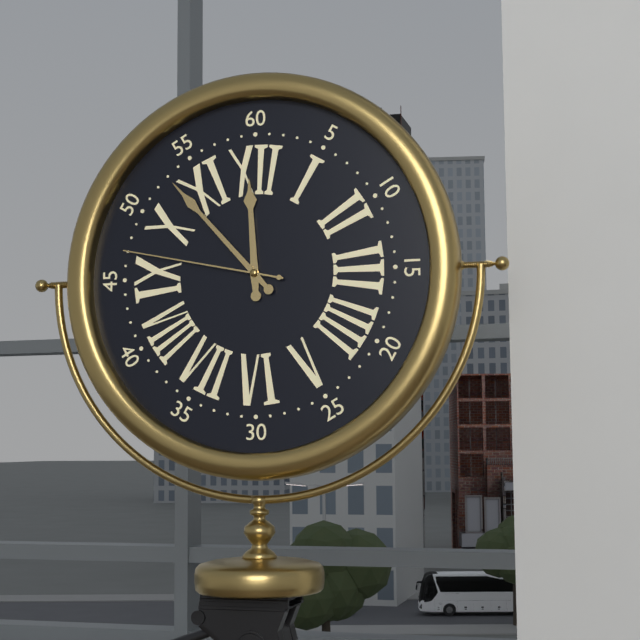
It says 11h53m47s
